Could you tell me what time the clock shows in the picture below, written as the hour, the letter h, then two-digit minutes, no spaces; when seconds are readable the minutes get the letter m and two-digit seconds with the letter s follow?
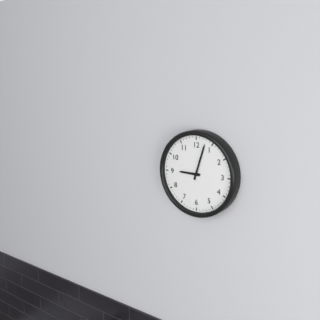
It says 9h03
